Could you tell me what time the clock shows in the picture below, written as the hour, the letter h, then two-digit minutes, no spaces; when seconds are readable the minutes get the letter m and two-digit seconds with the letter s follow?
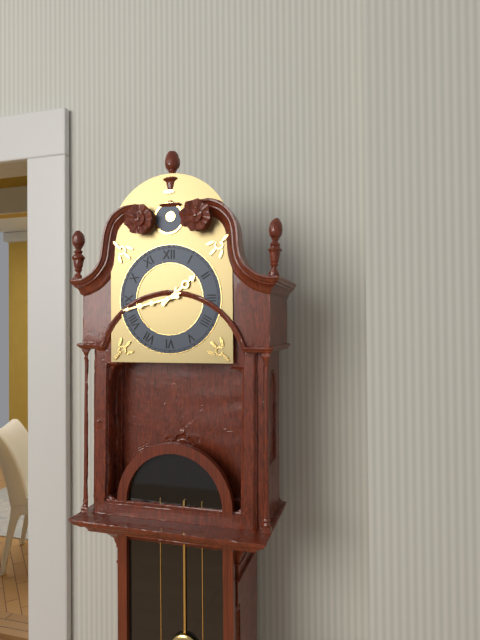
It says 1h43
